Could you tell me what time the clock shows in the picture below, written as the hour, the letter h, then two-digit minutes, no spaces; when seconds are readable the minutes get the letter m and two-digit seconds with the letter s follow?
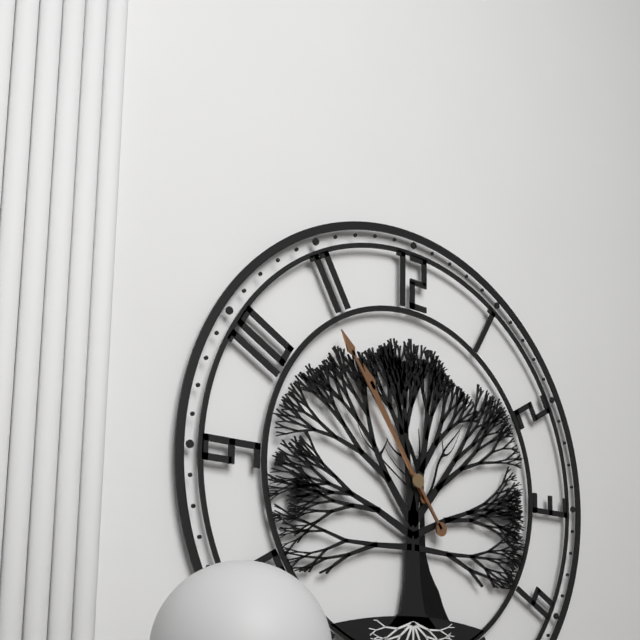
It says 10h54
